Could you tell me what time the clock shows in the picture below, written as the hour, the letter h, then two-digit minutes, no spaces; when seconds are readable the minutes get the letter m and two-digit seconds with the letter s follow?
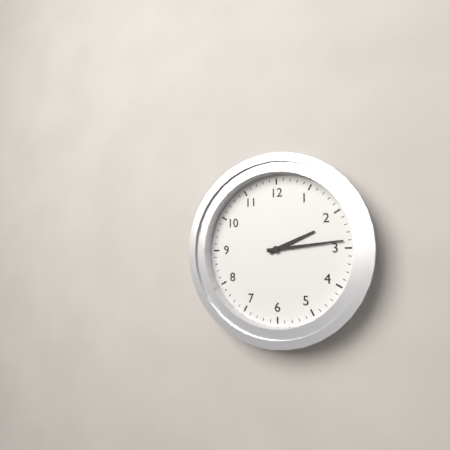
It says 2h14
